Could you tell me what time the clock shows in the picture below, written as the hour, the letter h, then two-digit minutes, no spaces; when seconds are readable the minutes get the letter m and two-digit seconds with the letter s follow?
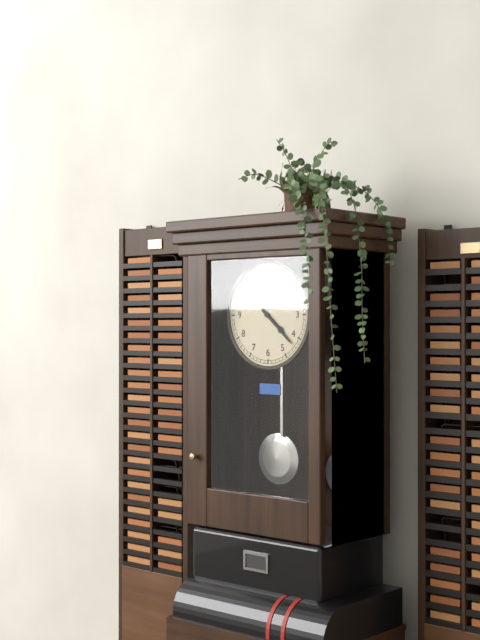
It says 4h22
